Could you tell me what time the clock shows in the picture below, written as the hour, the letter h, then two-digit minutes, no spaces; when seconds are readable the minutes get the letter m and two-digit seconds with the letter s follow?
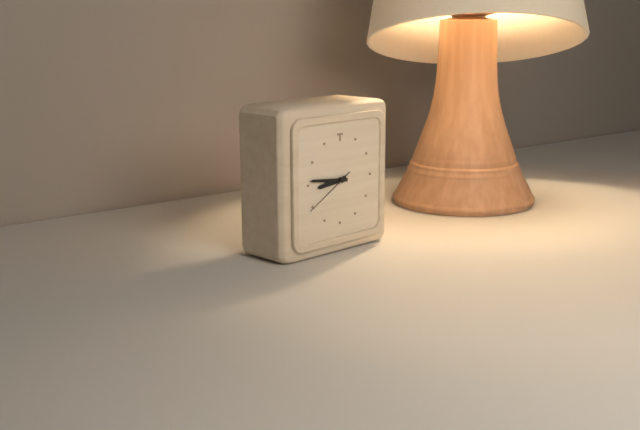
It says 8h46m40s
